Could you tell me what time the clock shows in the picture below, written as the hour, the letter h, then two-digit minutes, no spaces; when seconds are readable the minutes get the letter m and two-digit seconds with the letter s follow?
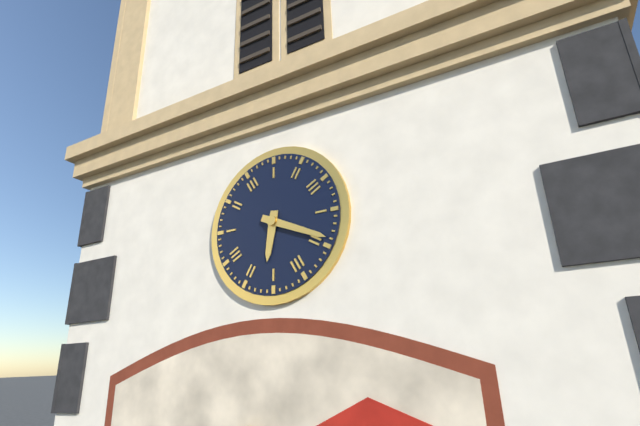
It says 6h19
